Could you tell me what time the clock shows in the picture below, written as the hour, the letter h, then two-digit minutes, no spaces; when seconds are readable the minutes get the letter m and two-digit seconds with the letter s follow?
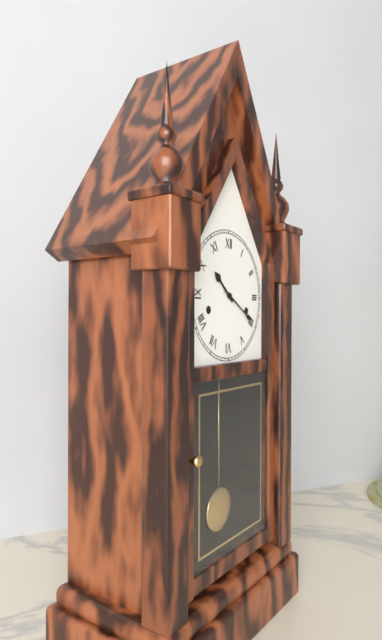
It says 10h20
